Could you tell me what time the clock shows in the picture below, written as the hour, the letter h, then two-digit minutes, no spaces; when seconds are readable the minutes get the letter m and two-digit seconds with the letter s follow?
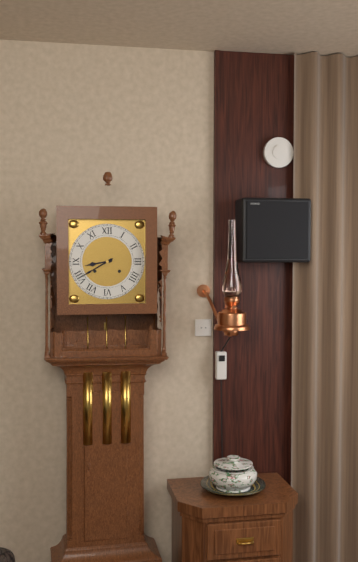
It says 8h40
